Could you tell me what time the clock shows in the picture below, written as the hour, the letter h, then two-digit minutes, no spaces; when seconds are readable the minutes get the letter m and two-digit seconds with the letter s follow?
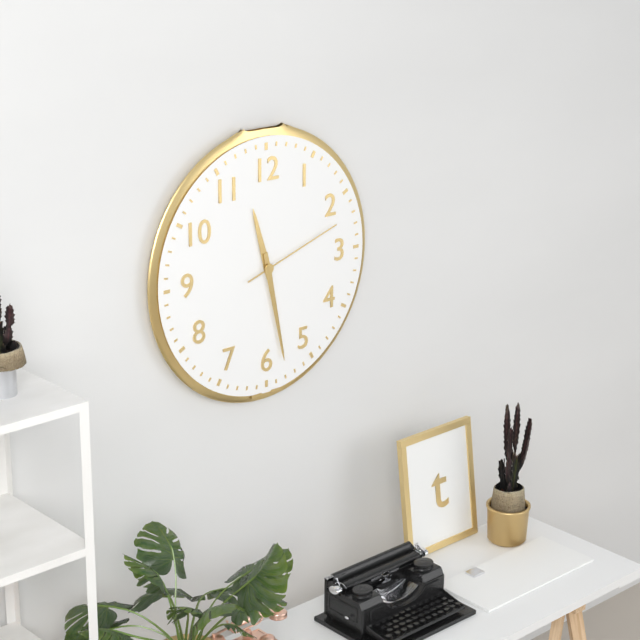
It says 11h28m12s
